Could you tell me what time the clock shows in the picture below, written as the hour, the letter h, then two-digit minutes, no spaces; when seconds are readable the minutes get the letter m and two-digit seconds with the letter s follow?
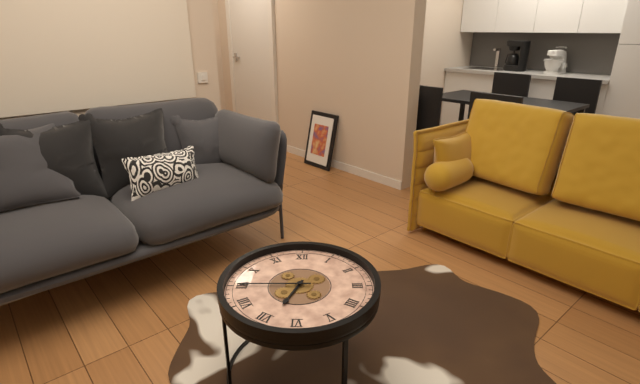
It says 6h45
